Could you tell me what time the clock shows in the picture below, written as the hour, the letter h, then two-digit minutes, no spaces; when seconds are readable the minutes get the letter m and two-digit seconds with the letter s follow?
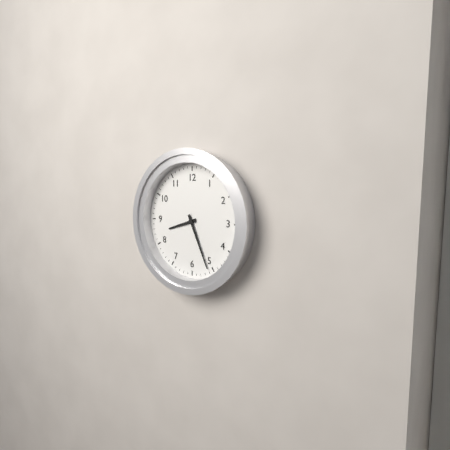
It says 8h26
